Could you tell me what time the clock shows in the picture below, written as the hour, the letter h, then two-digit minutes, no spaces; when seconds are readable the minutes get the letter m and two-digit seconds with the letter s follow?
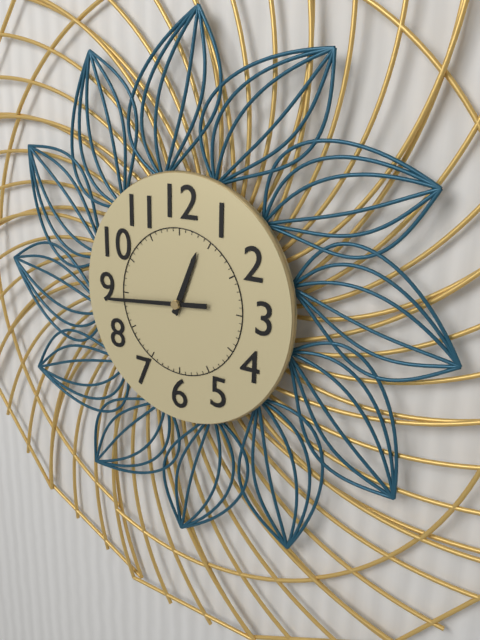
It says 12h44
